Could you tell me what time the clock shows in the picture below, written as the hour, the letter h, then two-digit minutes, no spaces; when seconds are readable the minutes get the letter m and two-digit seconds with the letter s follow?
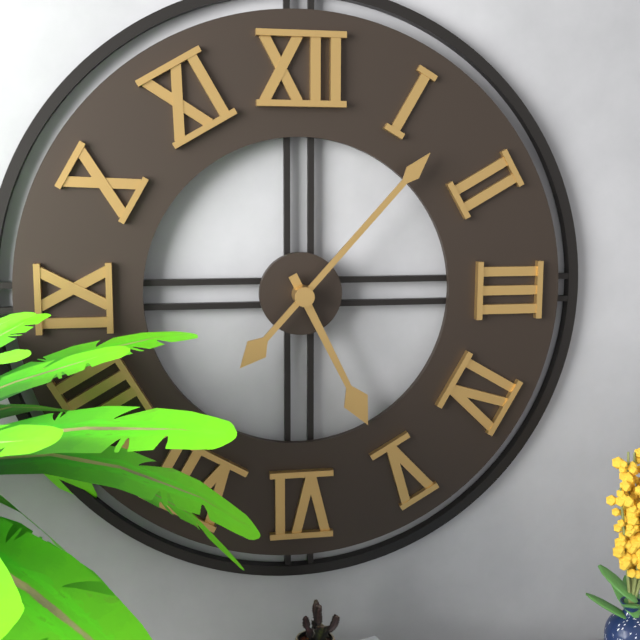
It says 5h07
